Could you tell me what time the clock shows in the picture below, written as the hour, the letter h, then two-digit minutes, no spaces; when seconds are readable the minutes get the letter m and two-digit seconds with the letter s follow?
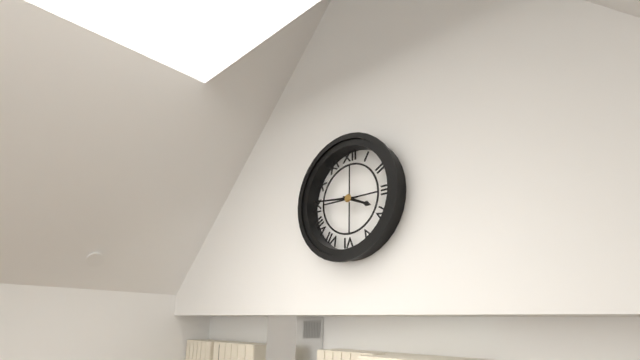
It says 3h46
